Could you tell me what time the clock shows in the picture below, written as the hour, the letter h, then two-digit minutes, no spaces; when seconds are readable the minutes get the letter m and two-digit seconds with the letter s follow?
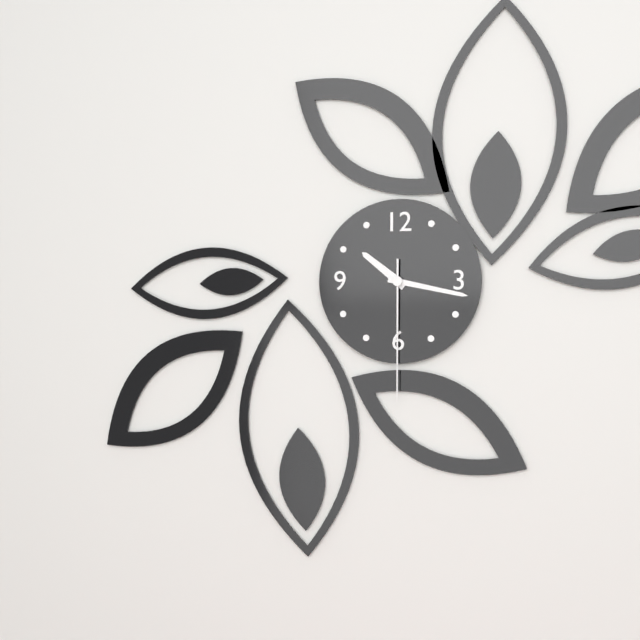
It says 10h17m30s
